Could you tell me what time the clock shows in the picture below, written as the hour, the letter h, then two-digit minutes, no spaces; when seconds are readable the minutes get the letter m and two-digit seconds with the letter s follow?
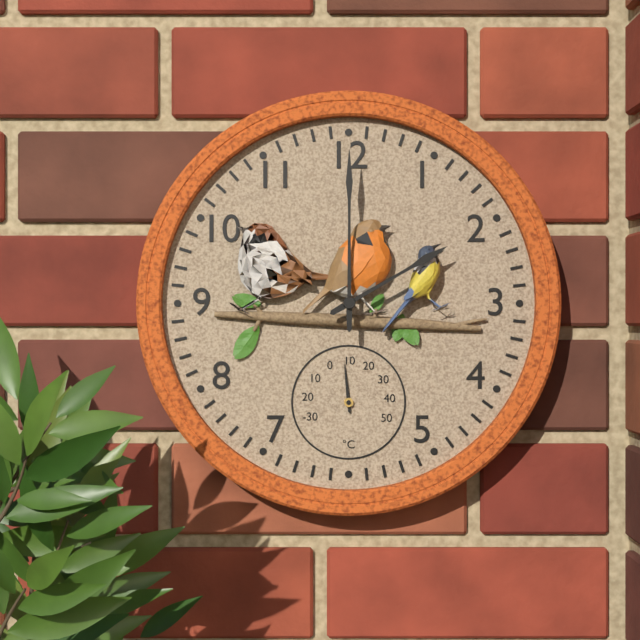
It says 2h00
